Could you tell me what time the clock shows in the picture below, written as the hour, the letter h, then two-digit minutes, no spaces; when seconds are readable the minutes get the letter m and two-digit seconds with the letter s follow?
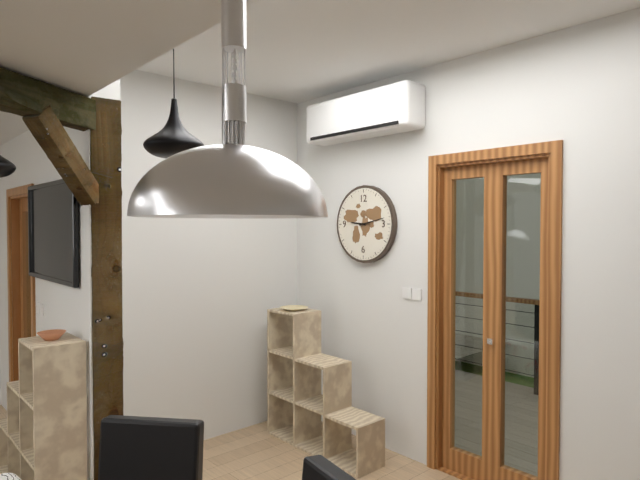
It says 9h13
